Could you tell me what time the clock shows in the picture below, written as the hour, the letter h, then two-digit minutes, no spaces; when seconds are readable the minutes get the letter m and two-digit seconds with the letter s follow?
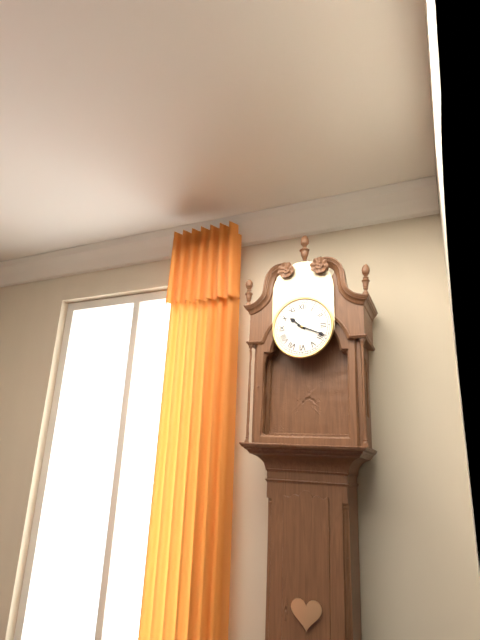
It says 10h19
